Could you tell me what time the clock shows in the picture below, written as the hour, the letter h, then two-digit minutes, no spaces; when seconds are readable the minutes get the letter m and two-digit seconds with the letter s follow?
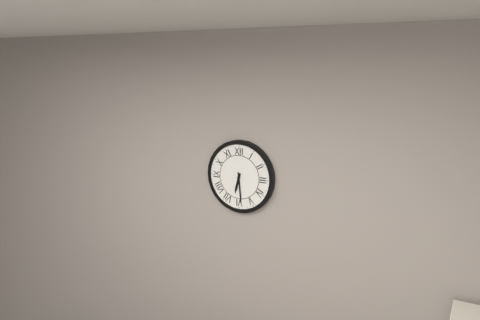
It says 6h29
